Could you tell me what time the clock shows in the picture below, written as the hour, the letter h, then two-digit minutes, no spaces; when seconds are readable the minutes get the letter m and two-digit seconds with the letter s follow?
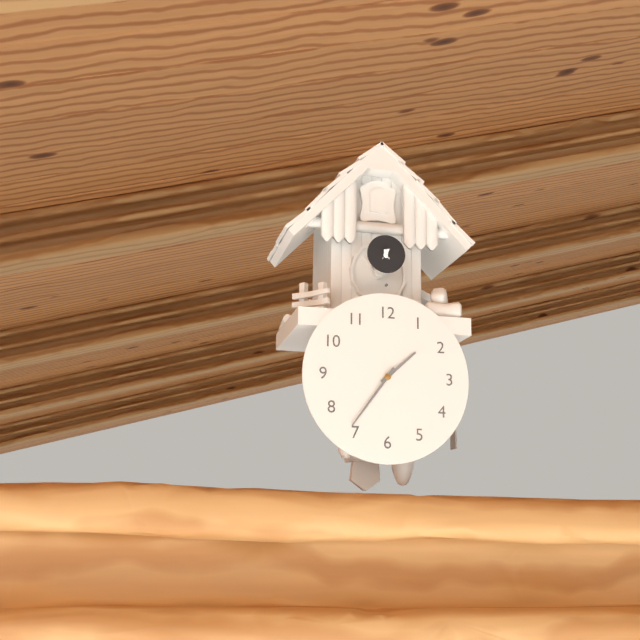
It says 1h36
